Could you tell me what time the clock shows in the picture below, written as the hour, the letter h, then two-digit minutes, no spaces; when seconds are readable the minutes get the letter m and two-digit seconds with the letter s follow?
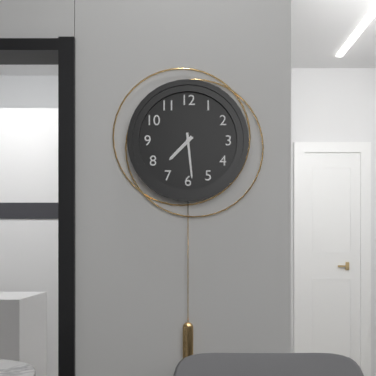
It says 7h29
